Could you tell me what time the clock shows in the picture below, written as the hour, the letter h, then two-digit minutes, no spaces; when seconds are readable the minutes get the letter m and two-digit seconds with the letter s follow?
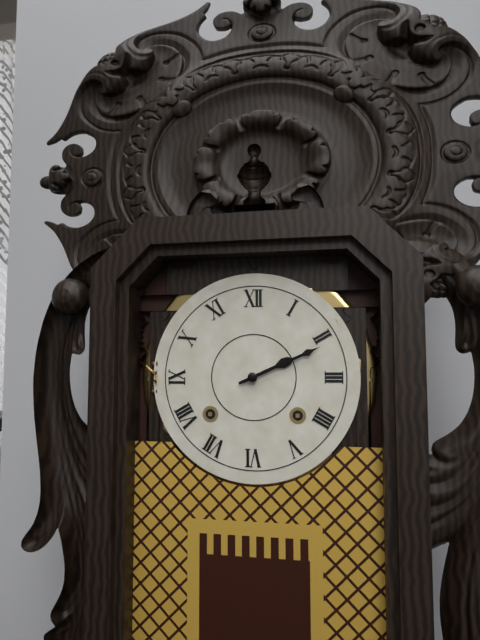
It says 2h11
